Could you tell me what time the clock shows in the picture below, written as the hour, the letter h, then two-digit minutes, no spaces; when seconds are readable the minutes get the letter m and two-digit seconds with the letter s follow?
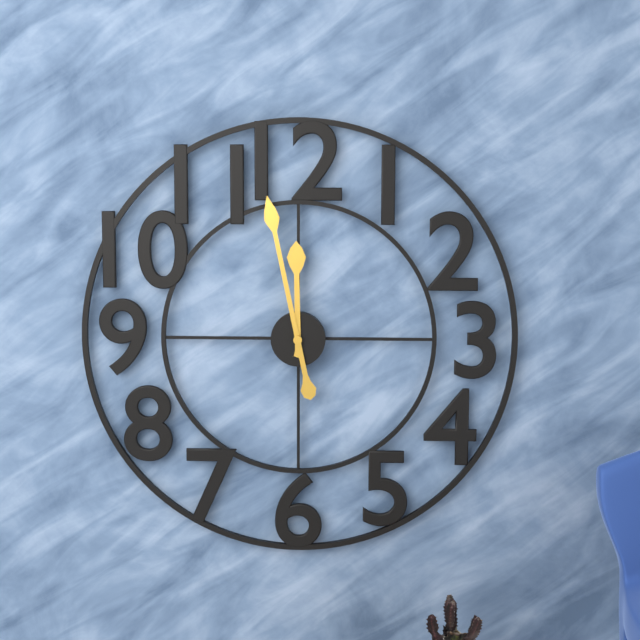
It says 11h58
